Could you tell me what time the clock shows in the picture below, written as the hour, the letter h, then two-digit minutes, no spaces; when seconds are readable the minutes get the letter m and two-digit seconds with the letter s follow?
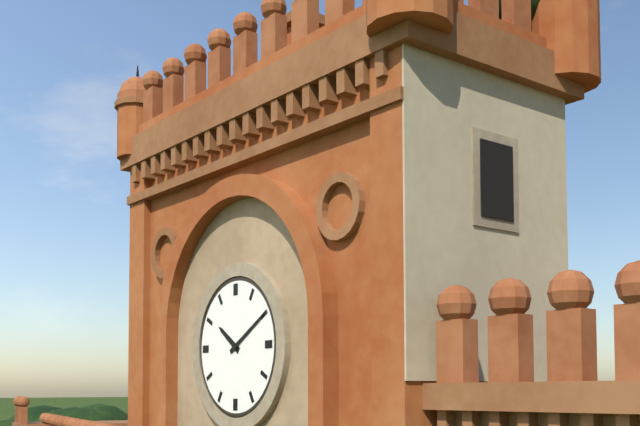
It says 10h10
